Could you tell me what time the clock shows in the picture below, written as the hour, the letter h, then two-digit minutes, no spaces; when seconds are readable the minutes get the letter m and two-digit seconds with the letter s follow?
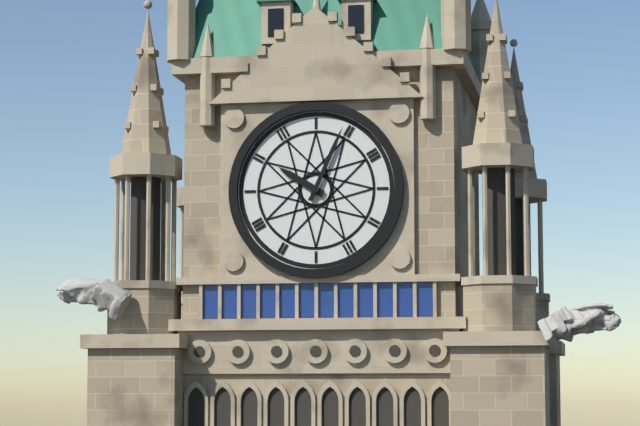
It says 10h04
